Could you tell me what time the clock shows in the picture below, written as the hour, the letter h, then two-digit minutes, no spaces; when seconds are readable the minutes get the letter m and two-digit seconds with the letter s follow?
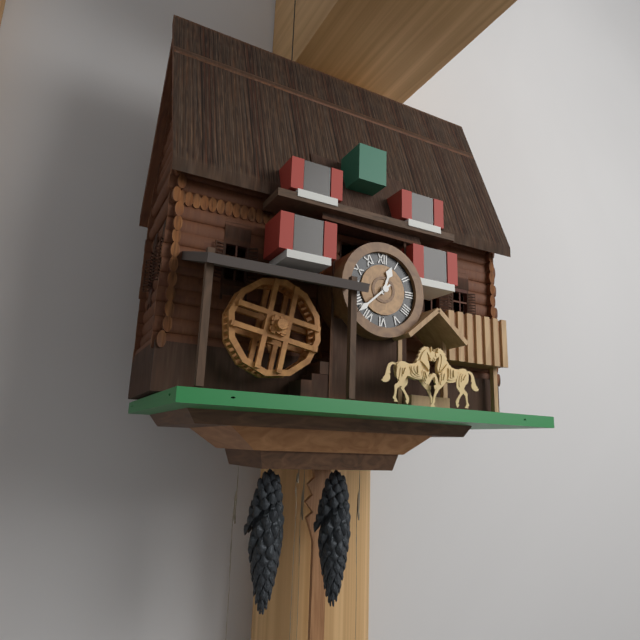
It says 12h38
